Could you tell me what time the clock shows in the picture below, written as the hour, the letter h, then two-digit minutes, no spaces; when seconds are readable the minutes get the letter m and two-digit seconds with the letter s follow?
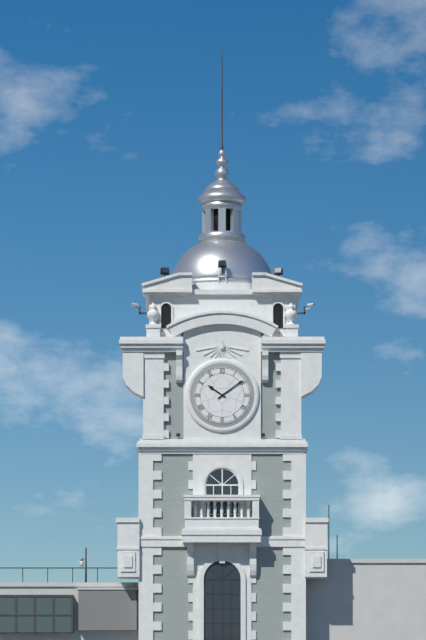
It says 10h09
